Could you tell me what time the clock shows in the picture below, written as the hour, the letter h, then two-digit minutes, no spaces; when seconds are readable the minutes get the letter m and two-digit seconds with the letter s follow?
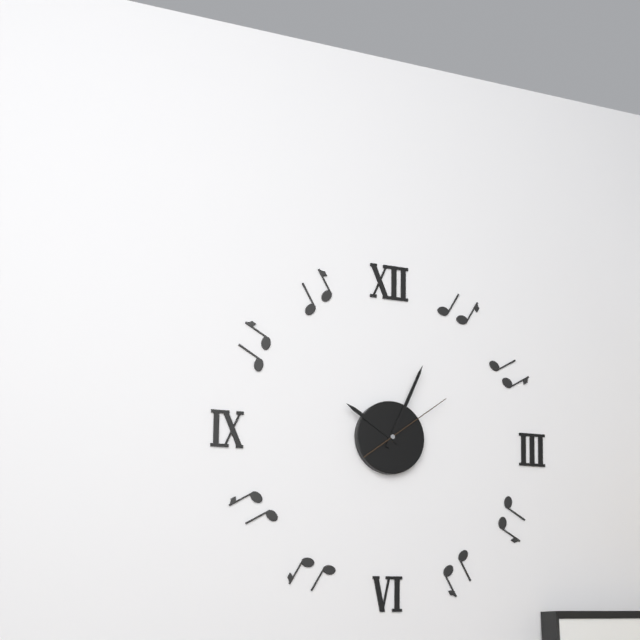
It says 10h04m09s
